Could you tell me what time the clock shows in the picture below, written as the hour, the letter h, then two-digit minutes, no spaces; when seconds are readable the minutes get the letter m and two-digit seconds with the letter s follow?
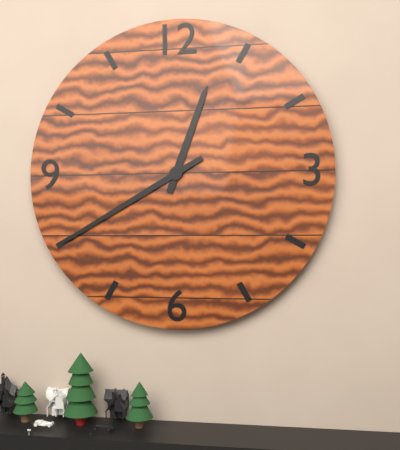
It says 12h40
